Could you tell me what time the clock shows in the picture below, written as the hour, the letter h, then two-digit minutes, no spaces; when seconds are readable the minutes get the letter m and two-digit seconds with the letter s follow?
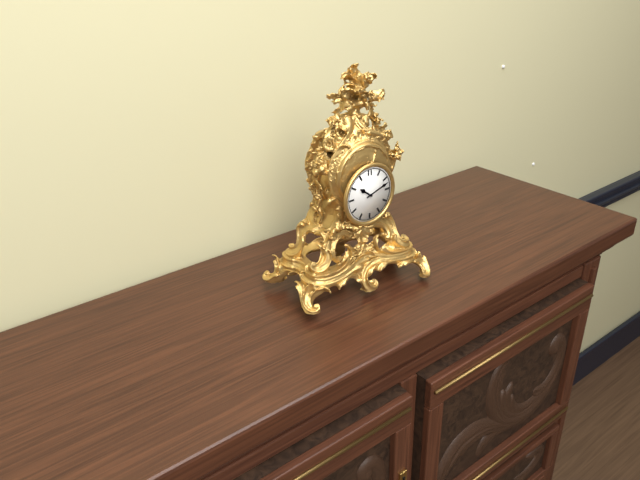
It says 10h12
